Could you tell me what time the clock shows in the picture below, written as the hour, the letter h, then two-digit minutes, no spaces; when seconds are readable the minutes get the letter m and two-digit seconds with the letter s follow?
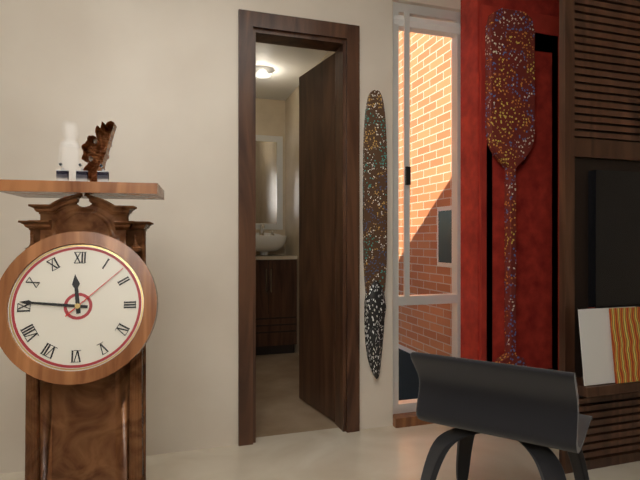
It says 11h46m08s
